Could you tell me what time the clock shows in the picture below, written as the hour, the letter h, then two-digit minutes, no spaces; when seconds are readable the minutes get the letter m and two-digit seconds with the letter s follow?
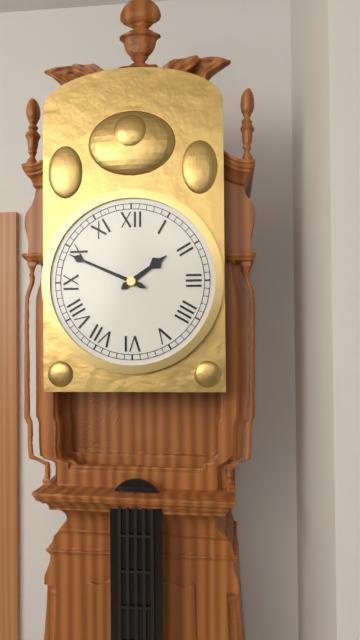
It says 1h49
